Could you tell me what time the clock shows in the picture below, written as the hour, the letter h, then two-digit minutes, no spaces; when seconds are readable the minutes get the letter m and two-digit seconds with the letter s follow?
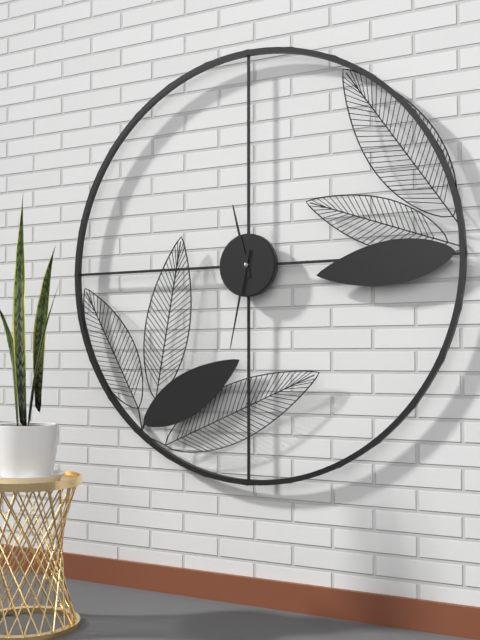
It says 11h32
